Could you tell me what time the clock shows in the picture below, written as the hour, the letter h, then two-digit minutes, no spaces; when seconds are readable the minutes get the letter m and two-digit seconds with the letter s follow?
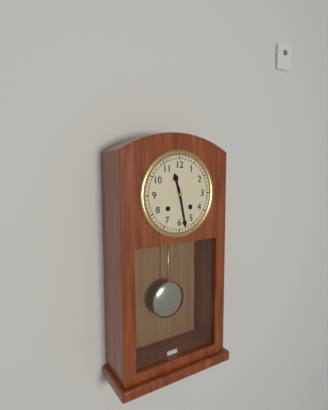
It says 11h28
